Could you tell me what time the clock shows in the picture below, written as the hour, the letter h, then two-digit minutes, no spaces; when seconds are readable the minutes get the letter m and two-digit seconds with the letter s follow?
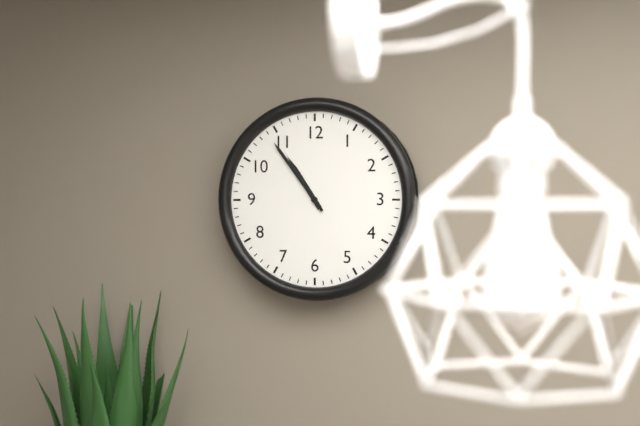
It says 10h54
